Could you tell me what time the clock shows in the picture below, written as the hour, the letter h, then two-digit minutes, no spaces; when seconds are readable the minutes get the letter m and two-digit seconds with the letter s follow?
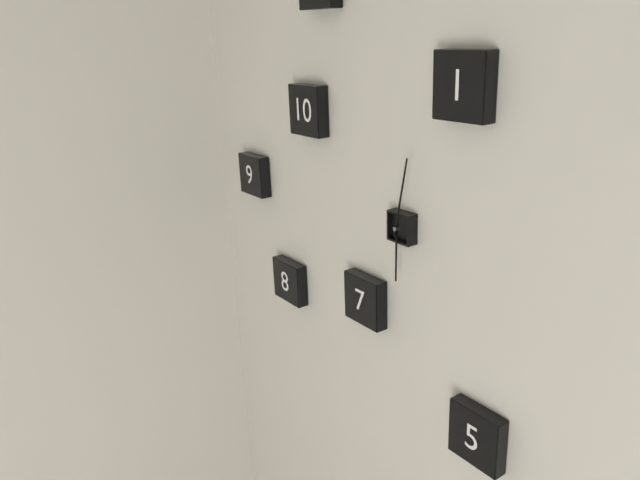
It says 6h02
